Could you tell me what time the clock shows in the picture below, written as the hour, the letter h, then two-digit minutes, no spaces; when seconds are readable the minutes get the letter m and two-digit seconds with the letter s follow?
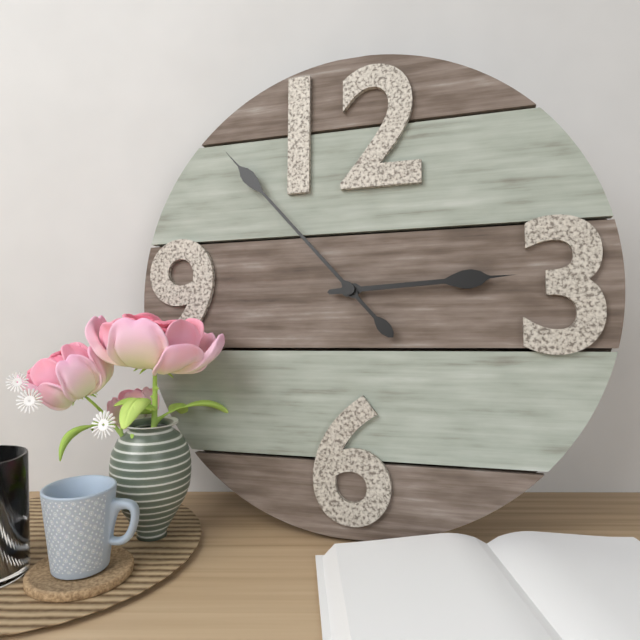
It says 2h53
